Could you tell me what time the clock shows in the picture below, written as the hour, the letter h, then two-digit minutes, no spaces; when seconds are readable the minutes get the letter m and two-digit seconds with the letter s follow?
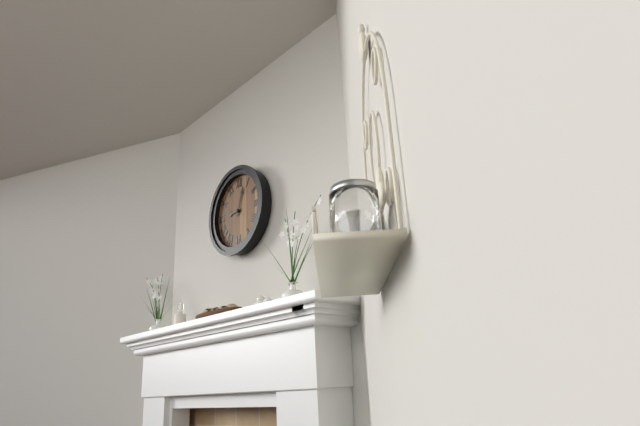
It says 9h03
